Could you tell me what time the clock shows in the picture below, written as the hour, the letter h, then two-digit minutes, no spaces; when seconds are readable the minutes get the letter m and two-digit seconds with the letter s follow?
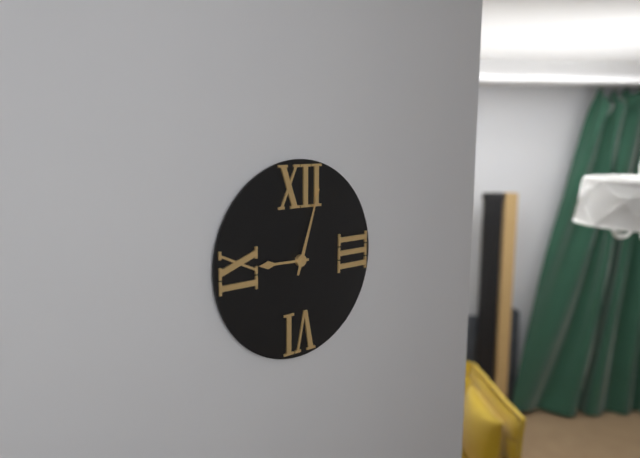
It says 9h03
